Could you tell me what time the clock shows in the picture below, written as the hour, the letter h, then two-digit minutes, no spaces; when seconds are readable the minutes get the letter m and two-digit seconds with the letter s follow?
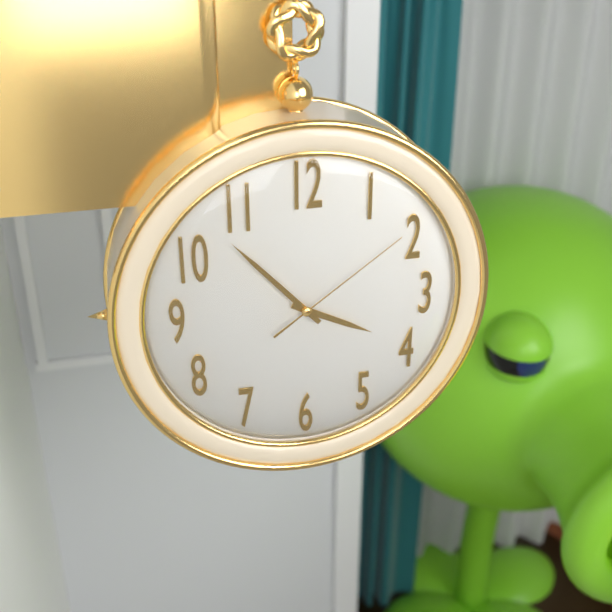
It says 3h53m09s
